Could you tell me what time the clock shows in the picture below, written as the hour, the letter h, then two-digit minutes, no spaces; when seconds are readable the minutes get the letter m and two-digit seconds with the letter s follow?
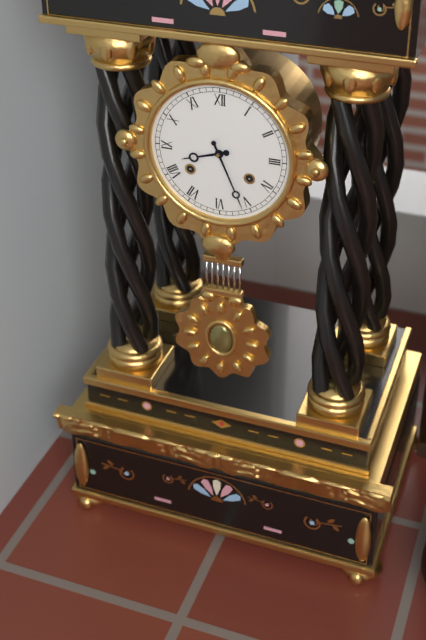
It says 8h26
